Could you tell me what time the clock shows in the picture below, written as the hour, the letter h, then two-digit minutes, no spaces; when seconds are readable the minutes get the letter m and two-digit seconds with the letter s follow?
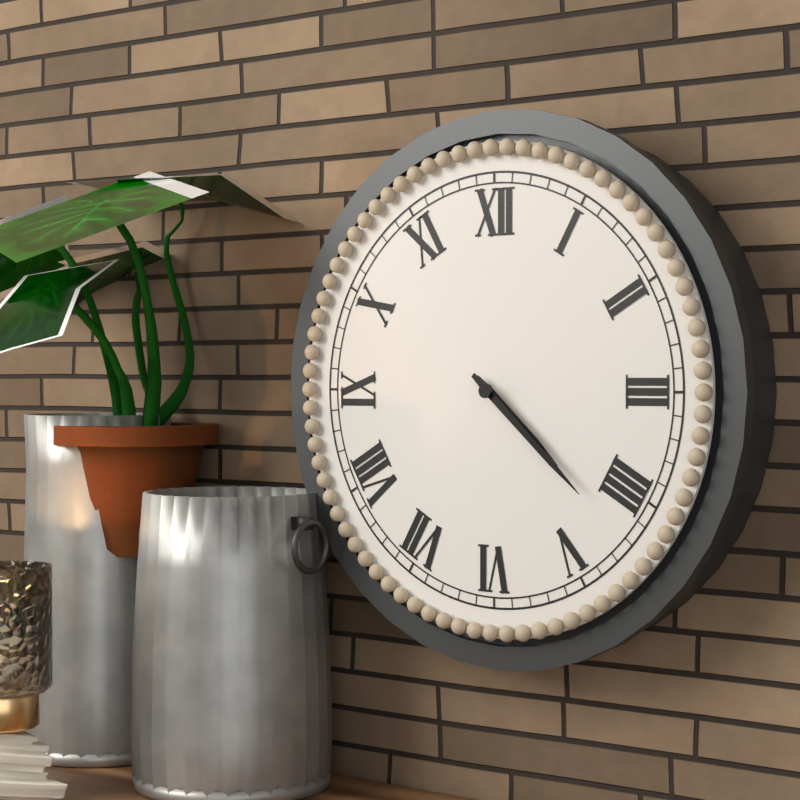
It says 4h22
